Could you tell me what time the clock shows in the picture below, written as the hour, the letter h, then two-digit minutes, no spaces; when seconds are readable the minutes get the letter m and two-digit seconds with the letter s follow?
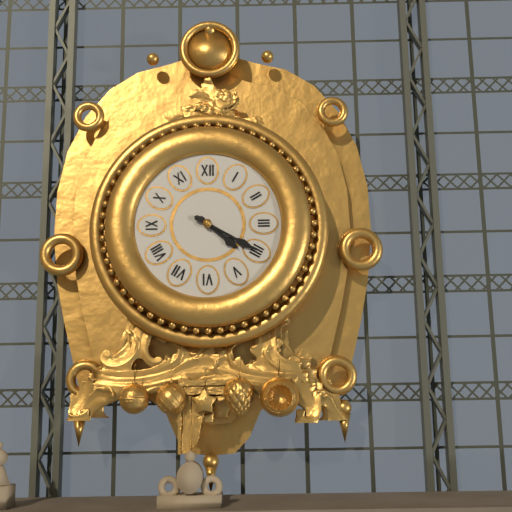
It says 4h20
